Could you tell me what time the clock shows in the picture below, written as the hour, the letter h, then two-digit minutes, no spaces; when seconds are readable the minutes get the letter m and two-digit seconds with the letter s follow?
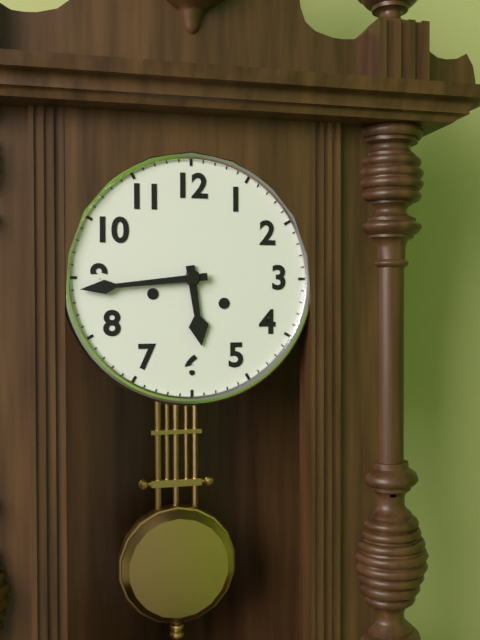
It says 5h44
